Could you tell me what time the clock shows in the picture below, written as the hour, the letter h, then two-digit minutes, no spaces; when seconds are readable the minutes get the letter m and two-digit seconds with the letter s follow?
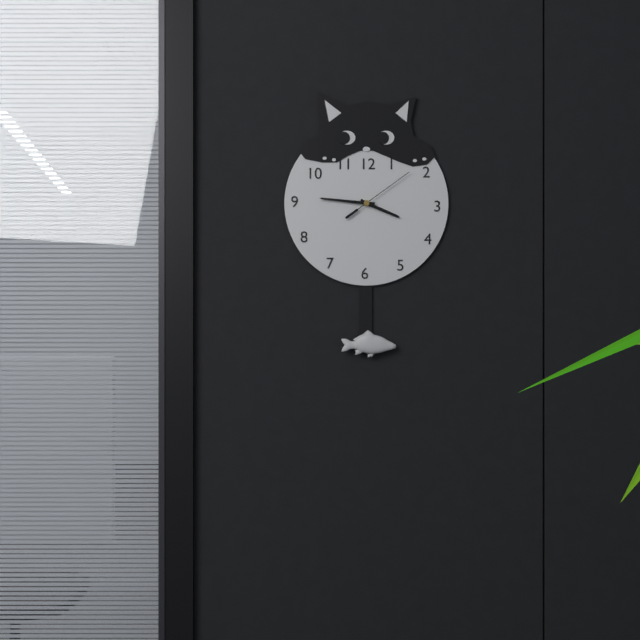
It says 3h46m09s
